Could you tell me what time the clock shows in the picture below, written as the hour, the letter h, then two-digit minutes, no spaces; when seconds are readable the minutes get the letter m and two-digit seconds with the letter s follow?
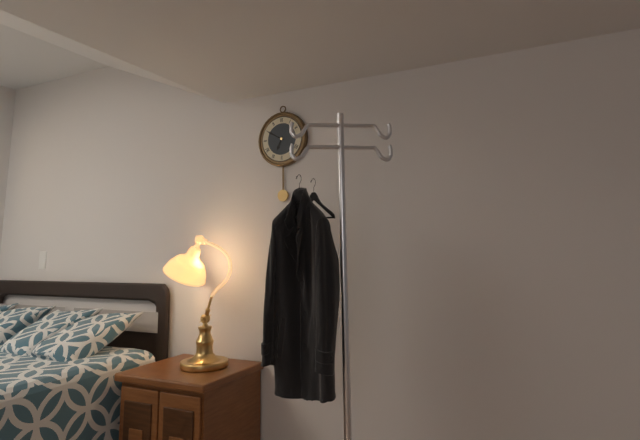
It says 6h50
